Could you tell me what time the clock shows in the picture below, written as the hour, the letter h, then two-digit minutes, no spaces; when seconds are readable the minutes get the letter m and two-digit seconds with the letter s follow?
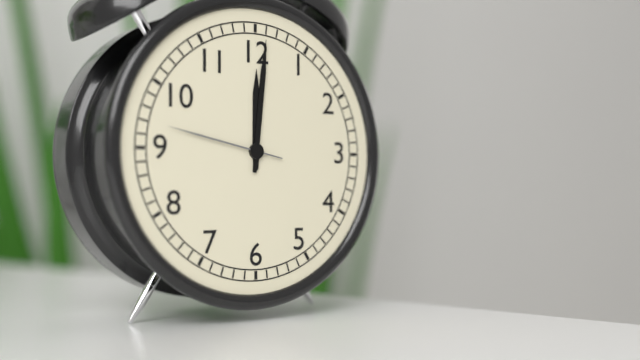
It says 12h01m47s
